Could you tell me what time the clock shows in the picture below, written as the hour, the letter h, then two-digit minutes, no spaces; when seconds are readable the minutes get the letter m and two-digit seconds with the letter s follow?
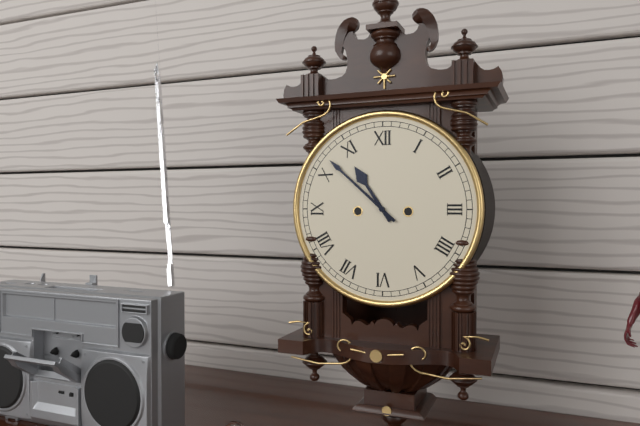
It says 10h52
